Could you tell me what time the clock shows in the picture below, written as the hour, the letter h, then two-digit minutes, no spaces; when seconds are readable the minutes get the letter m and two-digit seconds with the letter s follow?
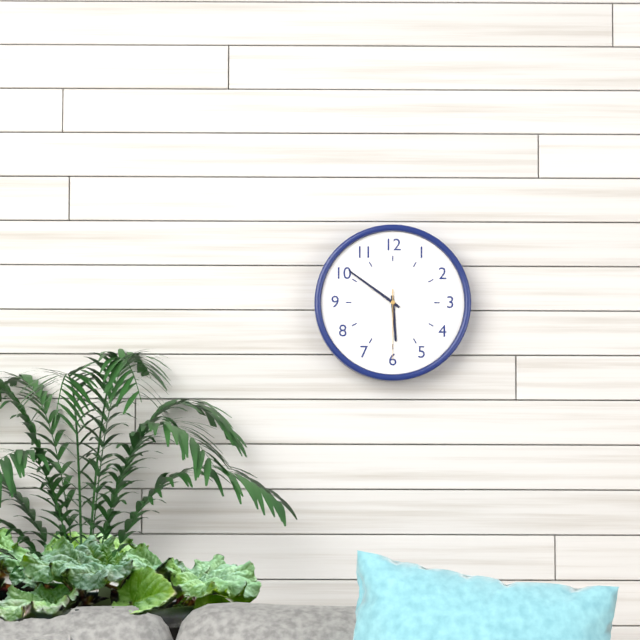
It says 5h51m30s
